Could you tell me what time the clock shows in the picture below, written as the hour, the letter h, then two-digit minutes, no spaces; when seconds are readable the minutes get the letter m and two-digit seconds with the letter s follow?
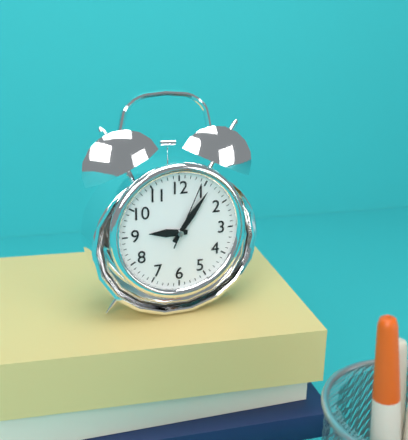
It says 9h06m04s
